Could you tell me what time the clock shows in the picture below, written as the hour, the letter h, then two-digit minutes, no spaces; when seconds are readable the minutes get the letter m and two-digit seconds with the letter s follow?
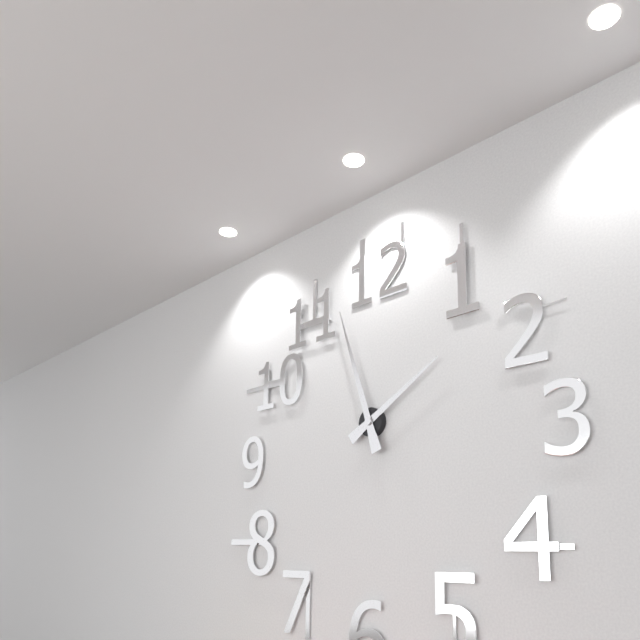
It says 1h57
